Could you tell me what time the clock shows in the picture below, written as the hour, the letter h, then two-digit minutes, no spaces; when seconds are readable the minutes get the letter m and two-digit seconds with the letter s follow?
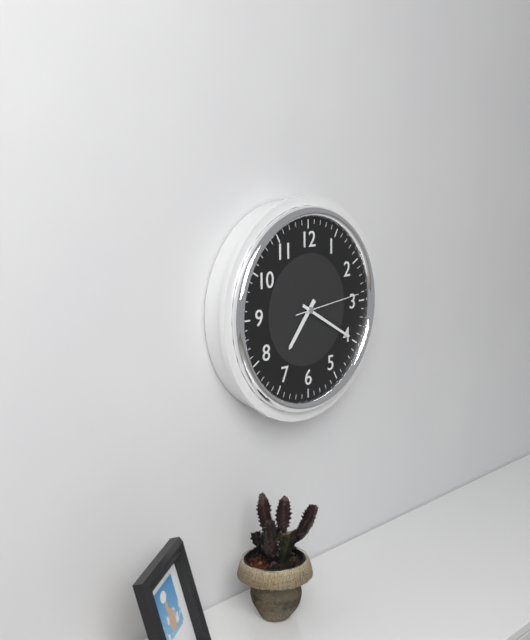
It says 7h20m14s
